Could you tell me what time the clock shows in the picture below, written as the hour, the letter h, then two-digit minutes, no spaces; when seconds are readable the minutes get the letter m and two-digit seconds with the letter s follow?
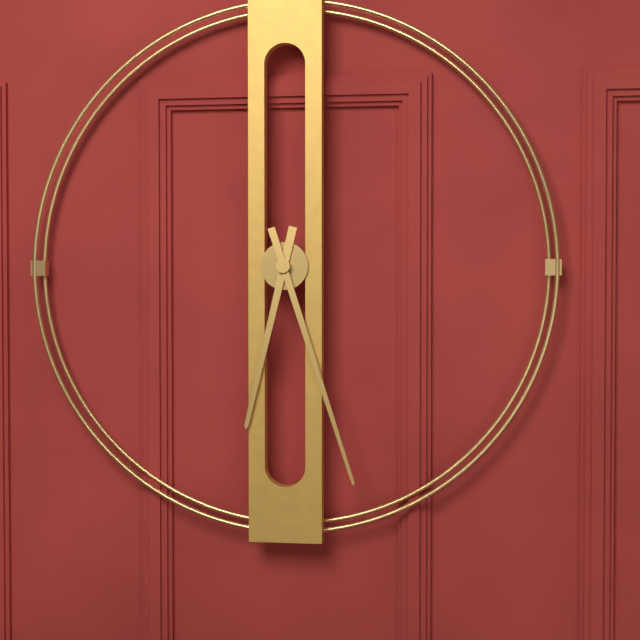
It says 6h27
